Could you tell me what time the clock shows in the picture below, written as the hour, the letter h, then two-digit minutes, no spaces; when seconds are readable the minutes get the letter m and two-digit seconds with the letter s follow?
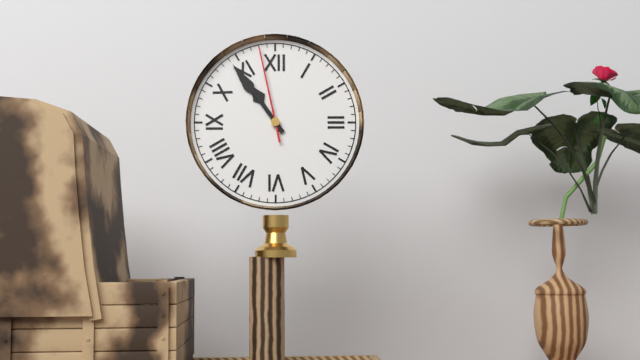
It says 10h54m58s
